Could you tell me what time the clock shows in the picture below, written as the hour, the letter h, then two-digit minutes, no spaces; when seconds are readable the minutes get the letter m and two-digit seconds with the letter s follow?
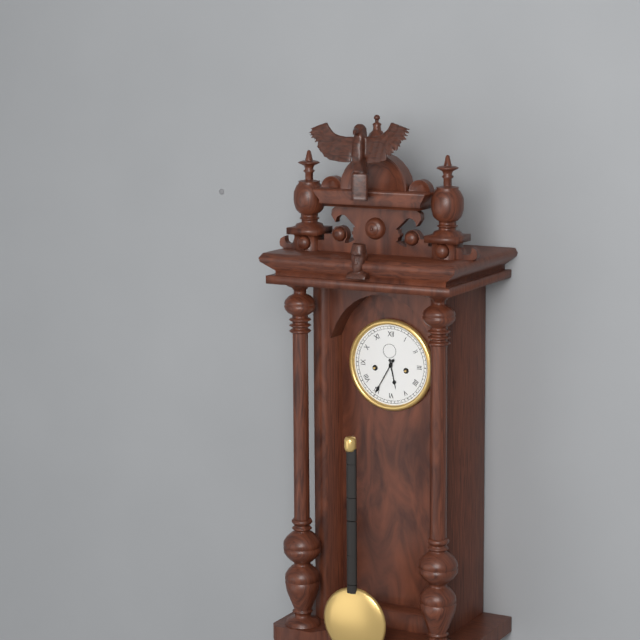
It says 5h35
